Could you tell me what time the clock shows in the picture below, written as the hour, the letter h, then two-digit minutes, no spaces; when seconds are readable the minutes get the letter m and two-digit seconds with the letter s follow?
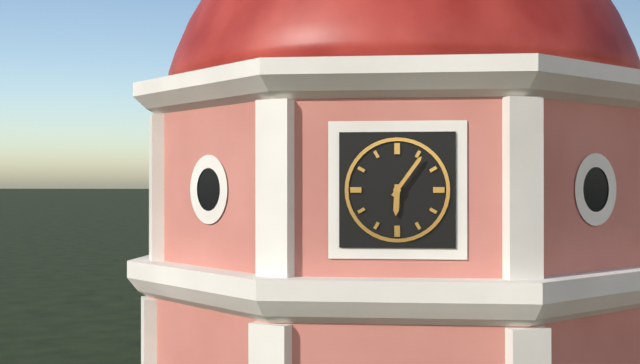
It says 6h06
